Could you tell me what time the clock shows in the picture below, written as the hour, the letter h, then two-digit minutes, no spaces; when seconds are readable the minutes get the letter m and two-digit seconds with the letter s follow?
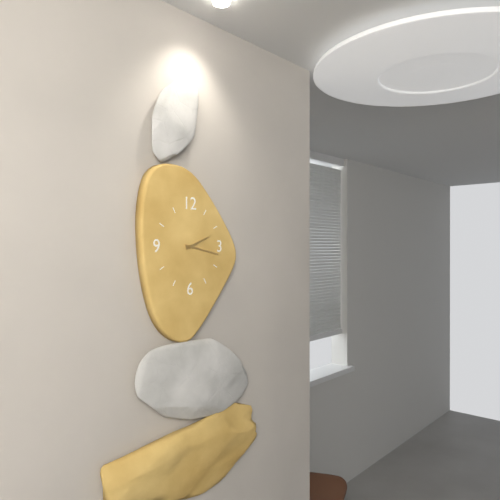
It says 2h17
